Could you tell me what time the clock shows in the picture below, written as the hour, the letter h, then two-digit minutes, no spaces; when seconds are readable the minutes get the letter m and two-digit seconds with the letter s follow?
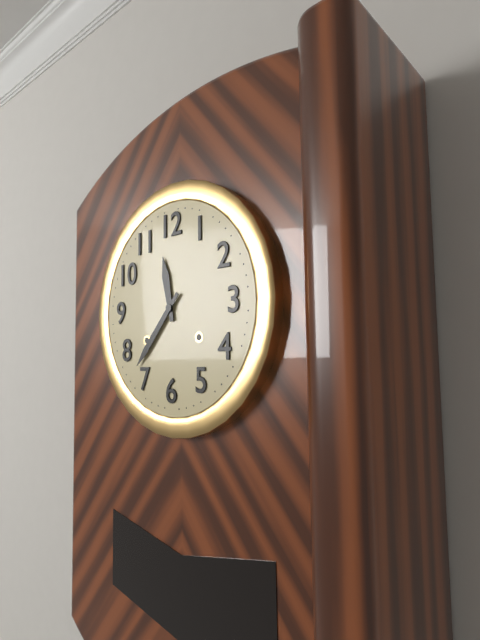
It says 11h37
